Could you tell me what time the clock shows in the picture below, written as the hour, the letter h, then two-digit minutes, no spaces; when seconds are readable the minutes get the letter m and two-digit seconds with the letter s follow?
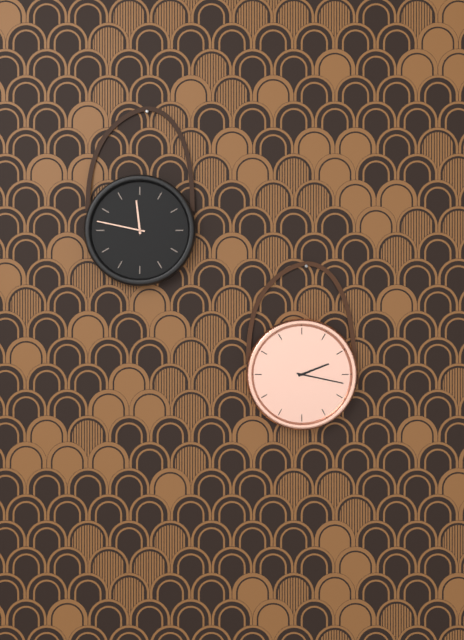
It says 2h17
